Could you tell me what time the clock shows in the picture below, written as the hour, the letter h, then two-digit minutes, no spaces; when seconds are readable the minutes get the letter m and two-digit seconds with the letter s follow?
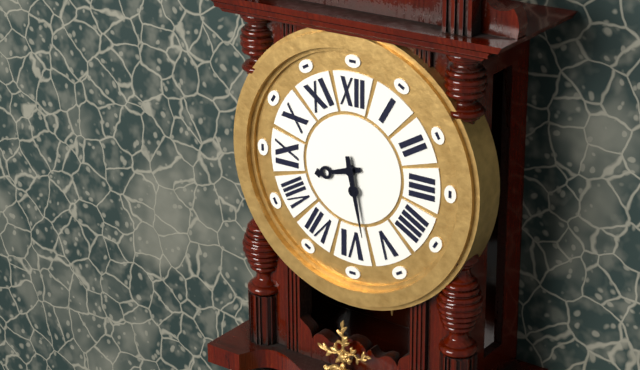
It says 8h28
